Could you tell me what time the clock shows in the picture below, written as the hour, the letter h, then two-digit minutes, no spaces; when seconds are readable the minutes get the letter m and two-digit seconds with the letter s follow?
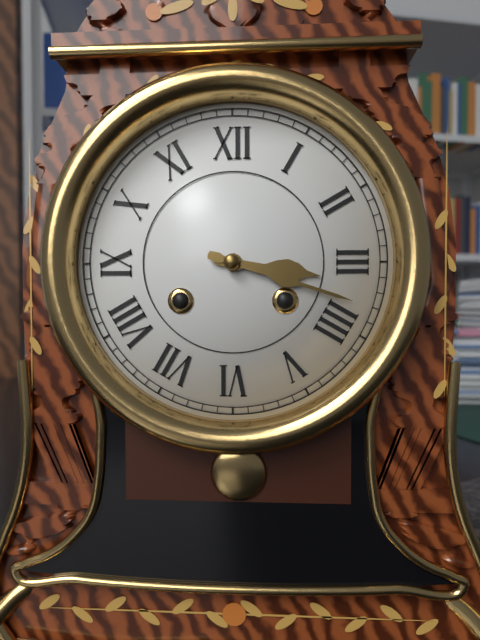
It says 3h18
